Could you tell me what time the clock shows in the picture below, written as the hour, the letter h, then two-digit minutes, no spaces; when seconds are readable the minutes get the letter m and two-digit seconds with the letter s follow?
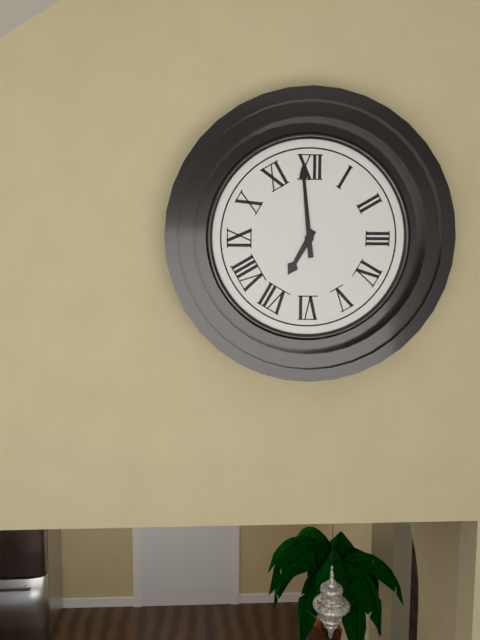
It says 6h59
